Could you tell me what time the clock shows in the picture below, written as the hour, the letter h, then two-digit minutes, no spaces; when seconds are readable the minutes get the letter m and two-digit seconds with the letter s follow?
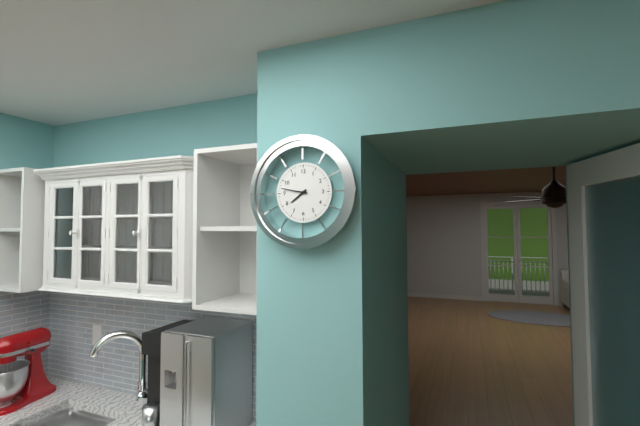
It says 7h47
